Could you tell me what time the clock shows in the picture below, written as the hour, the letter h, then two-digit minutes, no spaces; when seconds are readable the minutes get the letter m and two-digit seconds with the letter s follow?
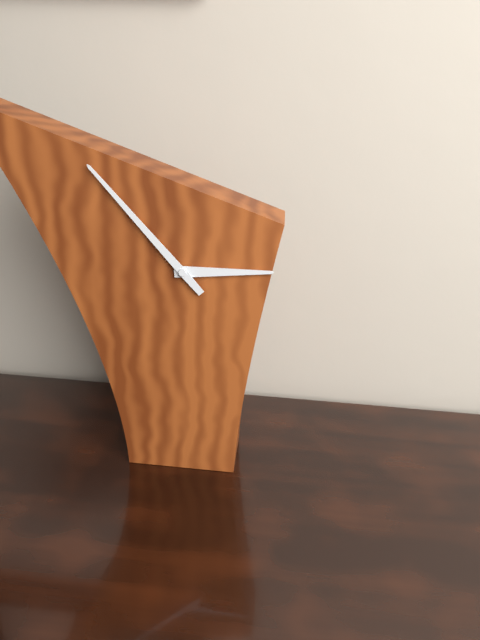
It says 2h53
